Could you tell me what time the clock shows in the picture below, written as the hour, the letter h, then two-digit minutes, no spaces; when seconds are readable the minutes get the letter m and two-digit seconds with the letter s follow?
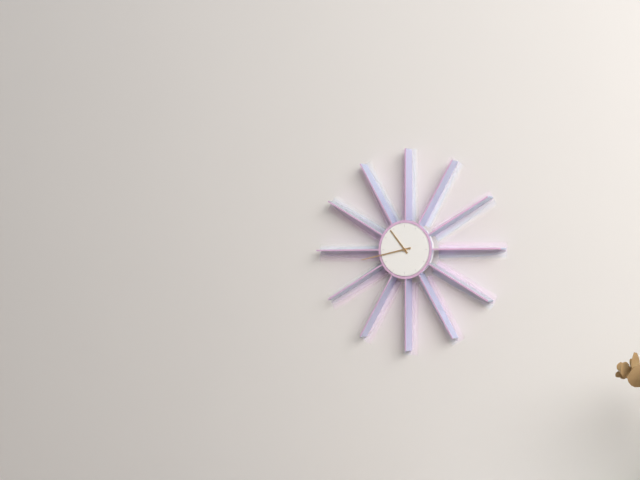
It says 10h43
